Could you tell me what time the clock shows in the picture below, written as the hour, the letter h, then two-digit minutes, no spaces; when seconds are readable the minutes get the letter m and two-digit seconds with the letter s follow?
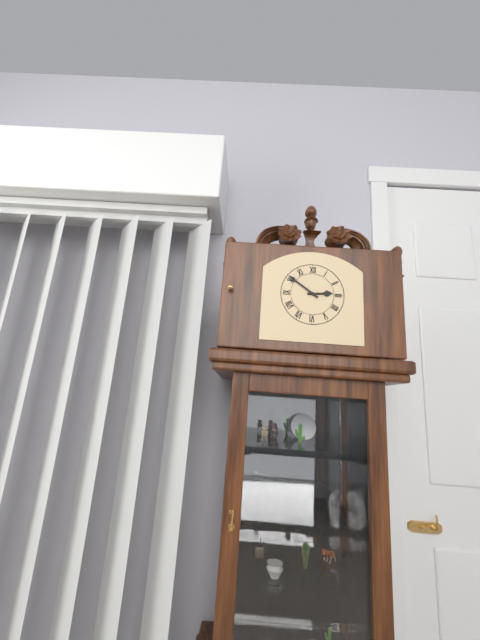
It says 2h51
